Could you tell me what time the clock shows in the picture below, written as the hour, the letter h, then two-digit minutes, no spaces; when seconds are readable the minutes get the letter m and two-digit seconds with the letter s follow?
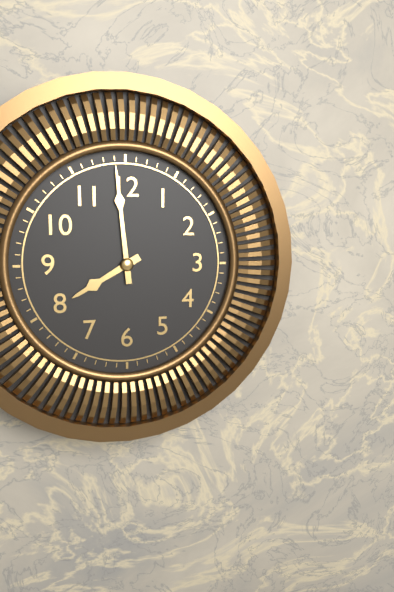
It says 7h59
